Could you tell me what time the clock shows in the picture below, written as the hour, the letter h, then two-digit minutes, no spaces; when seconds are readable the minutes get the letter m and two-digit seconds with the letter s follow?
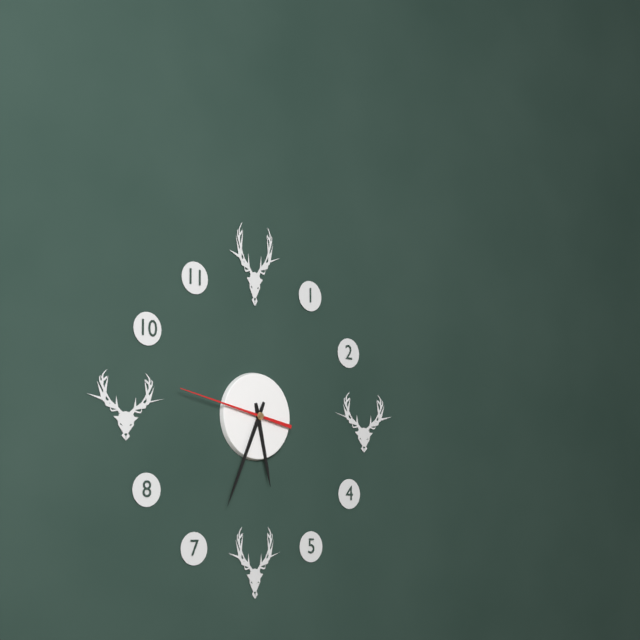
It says 5h34m47s
